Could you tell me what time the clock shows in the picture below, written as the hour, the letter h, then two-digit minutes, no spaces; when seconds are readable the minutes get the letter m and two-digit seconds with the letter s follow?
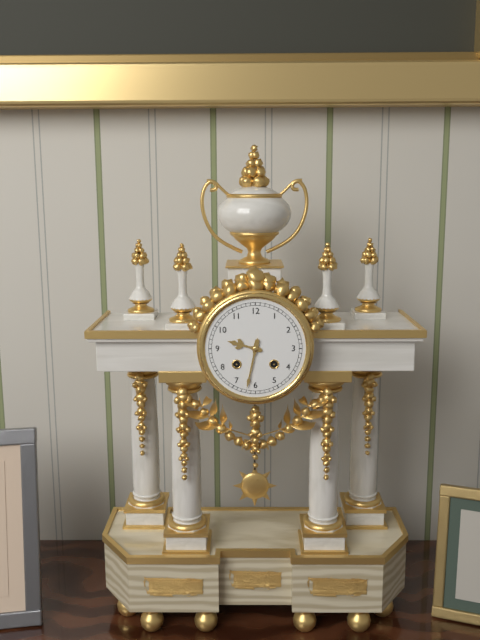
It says 9h32
